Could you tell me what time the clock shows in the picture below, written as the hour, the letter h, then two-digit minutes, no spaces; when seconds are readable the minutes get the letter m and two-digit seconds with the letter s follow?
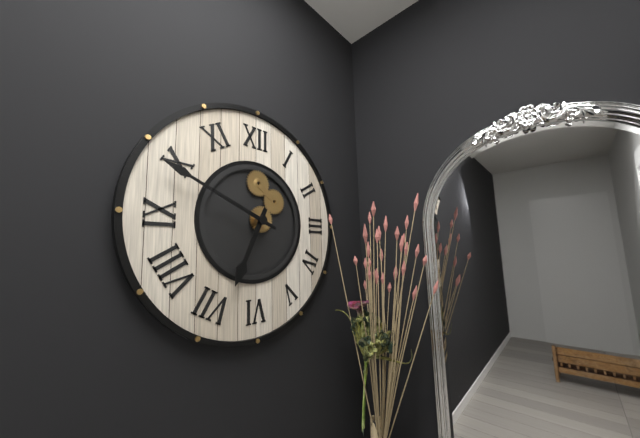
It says 6h49
